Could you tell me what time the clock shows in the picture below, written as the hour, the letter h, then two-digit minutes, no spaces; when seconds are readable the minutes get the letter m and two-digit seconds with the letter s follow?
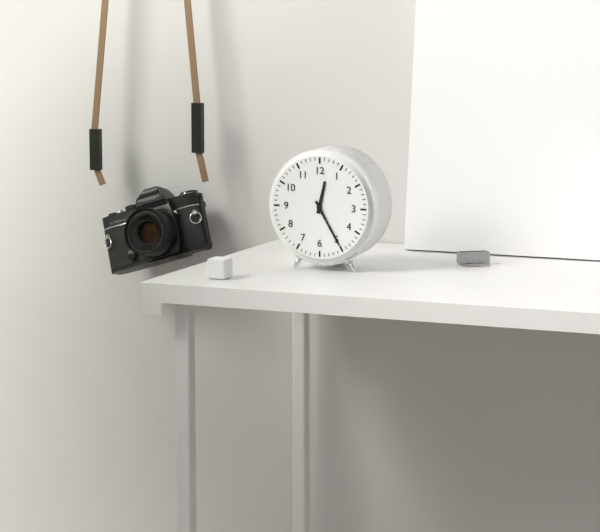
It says 12h25
